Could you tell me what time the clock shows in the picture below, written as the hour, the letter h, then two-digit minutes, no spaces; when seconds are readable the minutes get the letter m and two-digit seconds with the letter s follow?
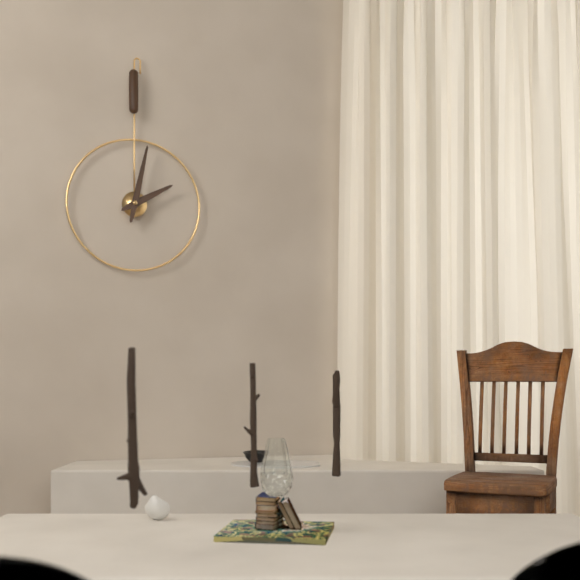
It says 2h02
